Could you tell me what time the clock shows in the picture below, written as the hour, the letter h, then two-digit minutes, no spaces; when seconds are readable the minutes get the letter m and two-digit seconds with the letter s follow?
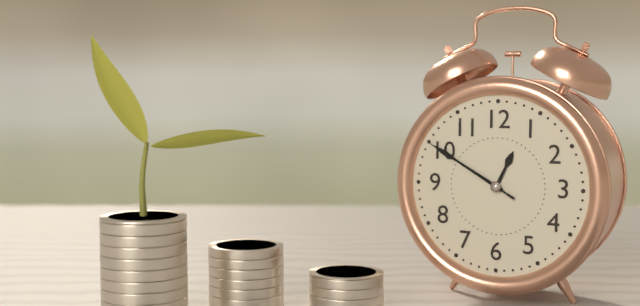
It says 12h50m50s
